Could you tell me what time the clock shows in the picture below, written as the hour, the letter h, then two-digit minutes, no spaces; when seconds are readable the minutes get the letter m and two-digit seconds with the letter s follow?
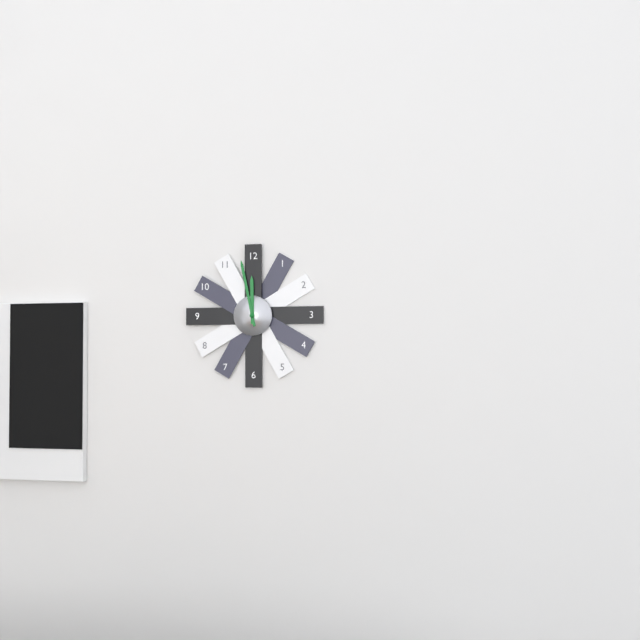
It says 11h58
